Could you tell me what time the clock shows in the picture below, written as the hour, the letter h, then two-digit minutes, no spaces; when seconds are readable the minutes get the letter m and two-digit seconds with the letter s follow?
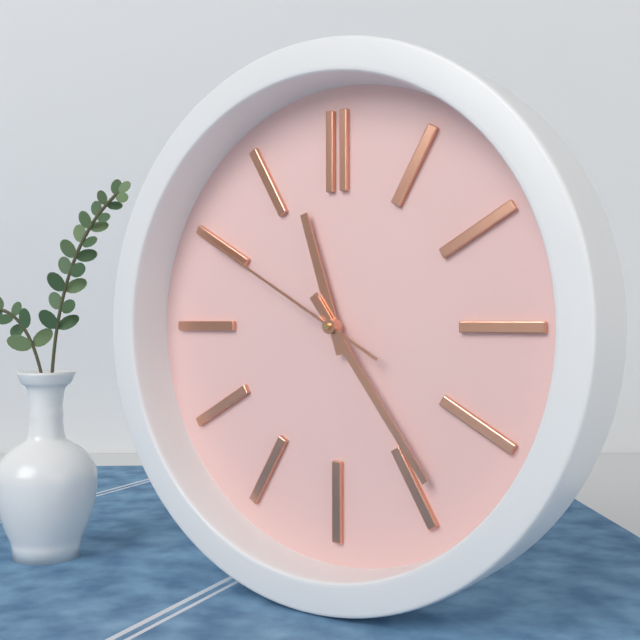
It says 11h24m50s
